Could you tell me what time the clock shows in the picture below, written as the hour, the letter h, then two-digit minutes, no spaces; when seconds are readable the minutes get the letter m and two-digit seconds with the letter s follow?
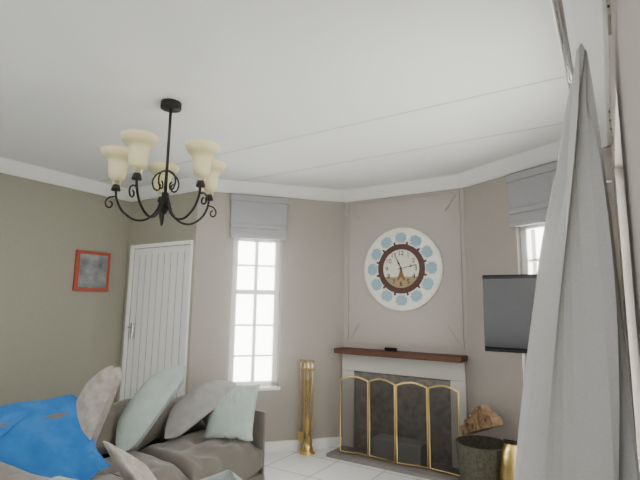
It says 11h13
